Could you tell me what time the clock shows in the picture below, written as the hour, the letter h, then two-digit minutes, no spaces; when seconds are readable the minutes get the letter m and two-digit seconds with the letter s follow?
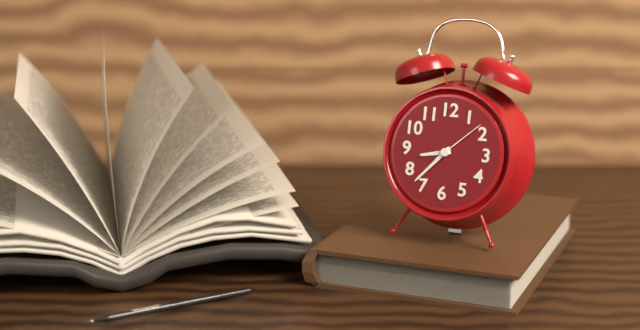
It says 8h37m08s
